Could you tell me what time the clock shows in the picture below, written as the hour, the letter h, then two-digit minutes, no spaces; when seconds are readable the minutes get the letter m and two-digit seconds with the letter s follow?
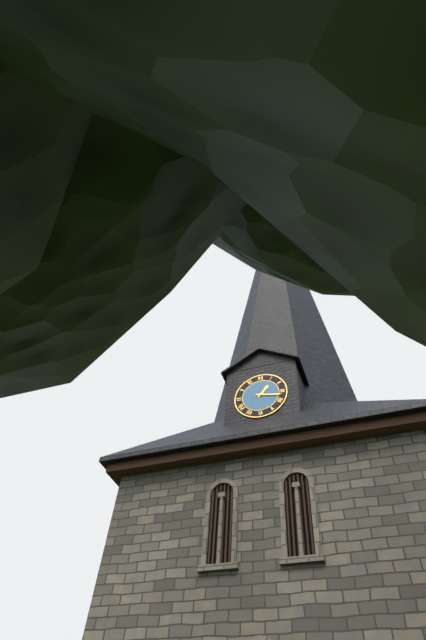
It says 1h17
